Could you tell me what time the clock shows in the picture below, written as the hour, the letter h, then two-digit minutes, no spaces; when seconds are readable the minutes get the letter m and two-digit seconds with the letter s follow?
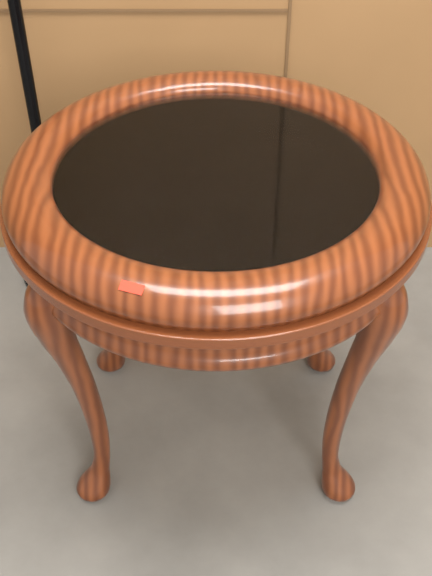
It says 5h48
